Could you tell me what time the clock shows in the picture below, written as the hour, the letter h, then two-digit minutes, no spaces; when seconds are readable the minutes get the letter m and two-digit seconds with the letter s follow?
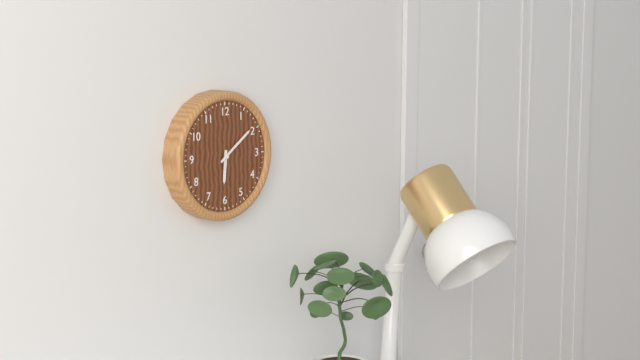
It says 6h09
